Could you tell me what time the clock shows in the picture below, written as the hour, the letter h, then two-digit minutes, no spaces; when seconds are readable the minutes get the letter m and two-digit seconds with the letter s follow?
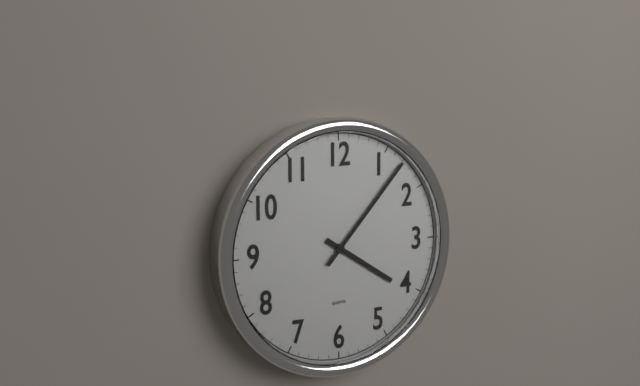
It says 4h07
